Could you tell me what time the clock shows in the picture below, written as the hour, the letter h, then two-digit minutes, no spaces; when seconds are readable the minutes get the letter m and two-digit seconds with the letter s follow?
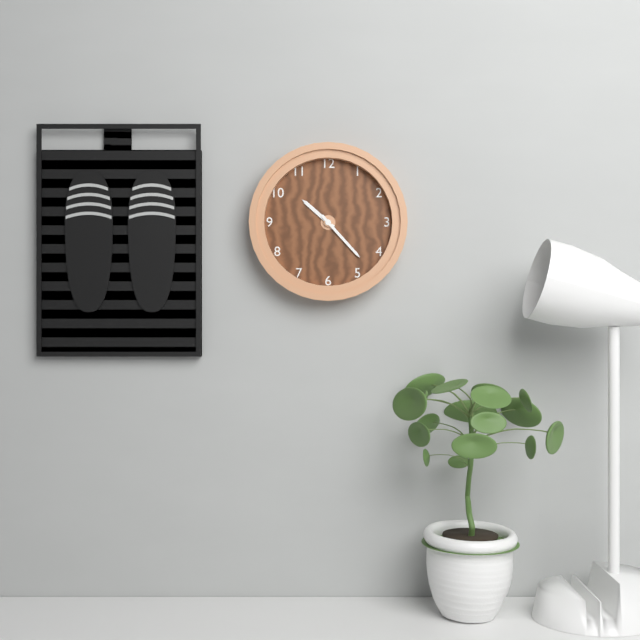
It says 10h23
